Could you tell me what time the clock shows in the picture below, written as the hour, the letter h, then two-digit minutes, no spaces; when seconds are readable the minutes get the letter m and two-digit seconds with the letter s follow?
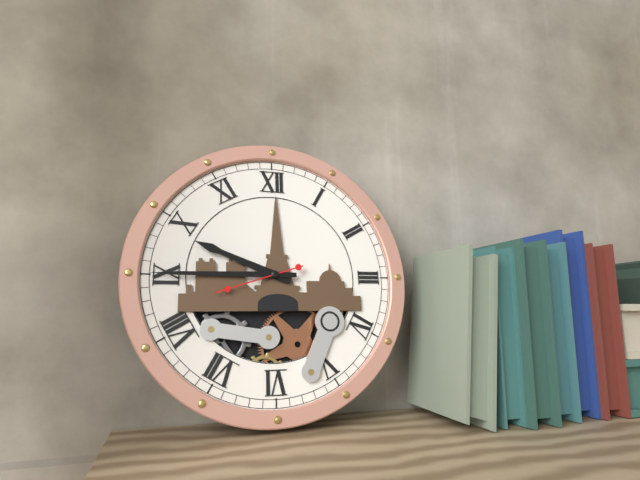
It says 9h45m42s
